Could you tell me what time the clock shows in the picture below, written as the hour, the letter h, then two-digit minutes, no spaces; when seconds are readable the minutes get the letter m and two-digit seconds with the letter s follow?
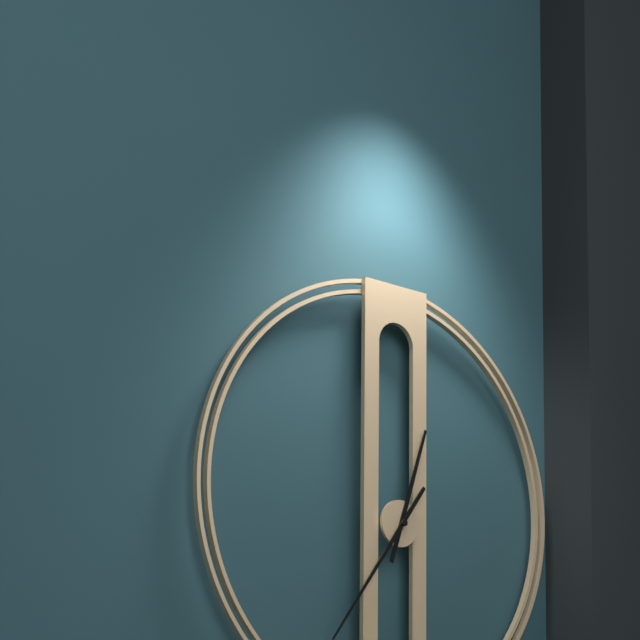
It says 12h36
